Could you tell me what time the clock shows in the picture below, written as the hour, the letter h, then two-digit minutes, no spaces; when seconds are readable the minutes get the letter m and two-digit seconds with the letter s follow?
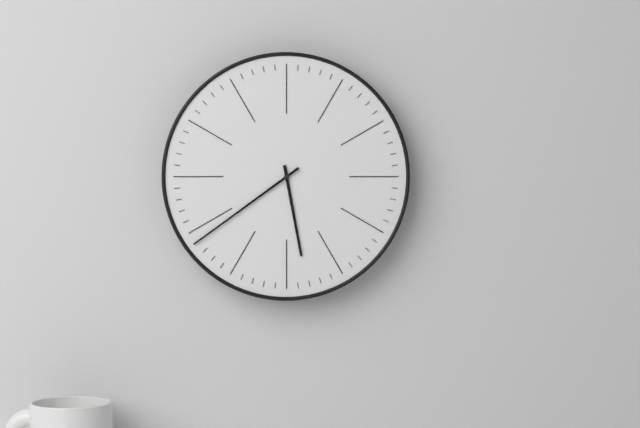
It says 5h39
